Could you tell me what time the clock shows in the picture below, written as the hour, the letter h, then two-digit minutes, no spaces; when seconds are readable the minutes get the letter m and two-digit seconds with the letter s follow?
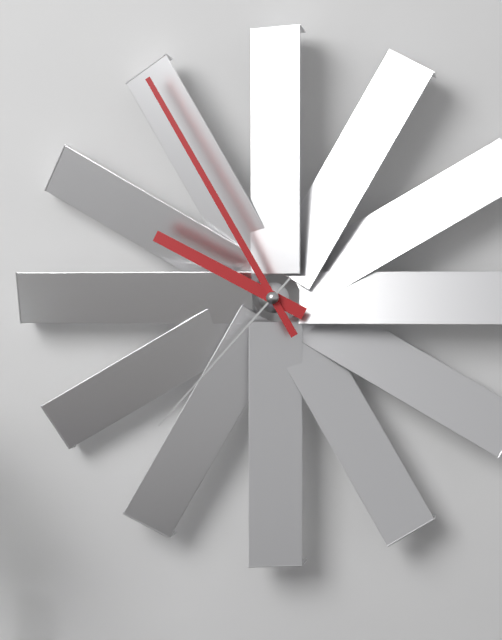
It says 9h55m37s
